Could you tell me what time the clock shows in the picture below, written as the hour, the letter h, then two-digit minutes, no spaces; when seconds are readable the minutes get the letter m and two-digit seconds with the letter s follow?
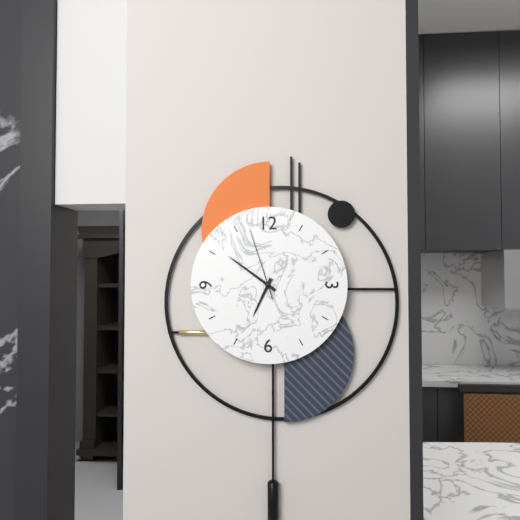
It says 6h51m57s
